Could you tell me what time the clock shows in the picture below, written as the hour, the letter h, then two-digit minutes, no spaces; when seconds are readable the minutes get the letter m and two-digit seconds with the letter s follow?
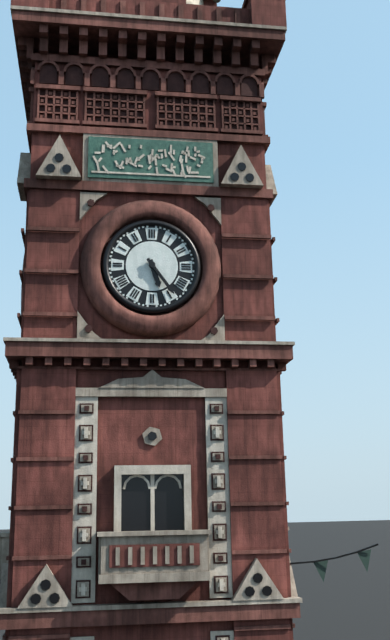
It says 5h24
